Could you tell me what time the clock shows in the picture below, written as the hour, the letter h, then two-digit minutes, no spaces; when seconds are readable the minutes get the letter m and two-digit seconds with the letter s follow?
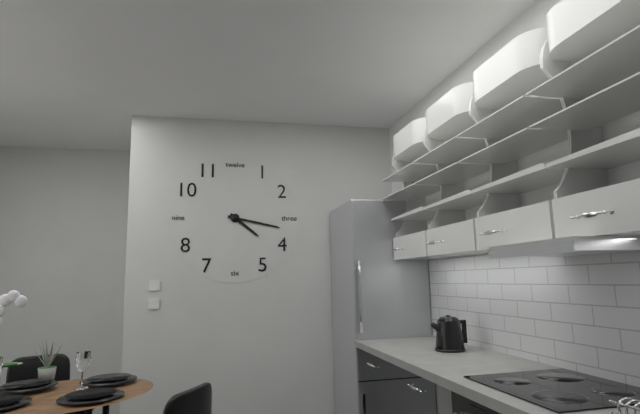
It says 4h17
